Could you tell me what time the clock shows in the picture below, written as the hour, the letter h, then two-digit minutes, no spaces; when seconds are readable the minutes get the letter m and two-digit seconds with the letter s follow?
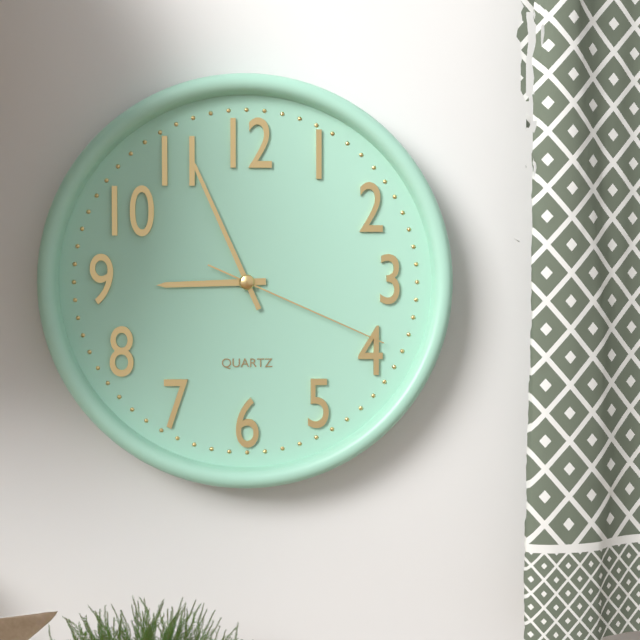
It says 8h56m19s
